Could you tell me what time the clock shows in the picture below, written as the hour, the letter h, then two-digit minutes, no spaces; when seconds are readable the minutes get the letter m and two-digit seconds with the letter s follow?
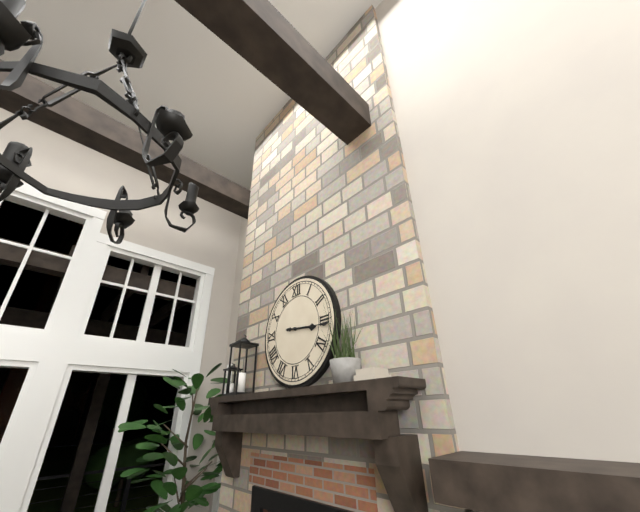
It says 3h16
